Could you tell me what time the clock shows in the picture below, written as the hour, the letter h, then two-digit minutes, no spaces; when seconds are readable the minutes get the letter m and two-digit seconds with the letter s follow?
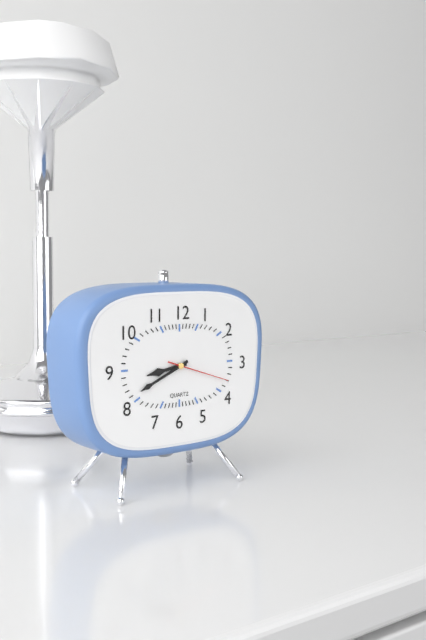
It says 8h41m18s
